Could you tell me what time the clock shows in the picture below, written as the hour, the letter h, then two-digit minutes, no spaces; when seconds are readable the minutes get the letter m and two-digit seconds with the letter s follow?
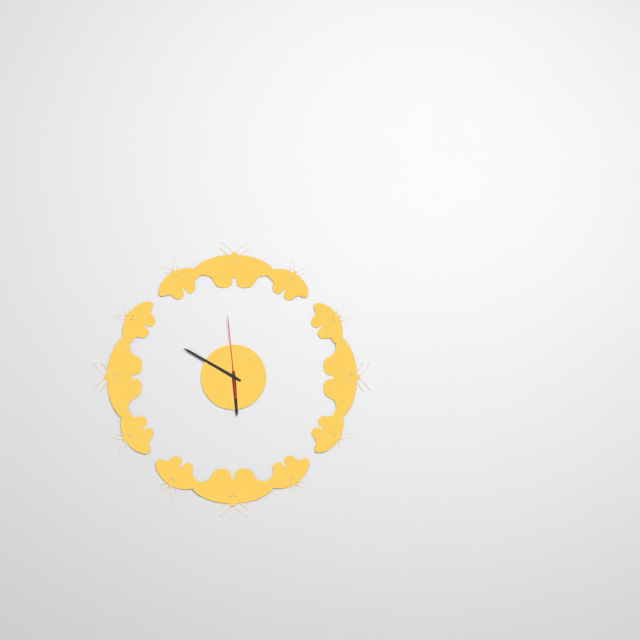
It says 5h50m59s
